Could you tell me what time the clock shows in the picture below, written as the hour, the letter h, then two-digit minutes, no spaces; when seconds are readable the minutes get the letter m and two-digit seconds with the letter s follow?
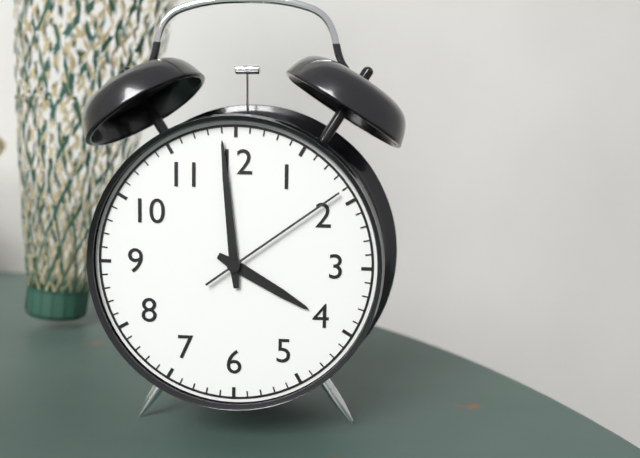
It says 3h59m09s
